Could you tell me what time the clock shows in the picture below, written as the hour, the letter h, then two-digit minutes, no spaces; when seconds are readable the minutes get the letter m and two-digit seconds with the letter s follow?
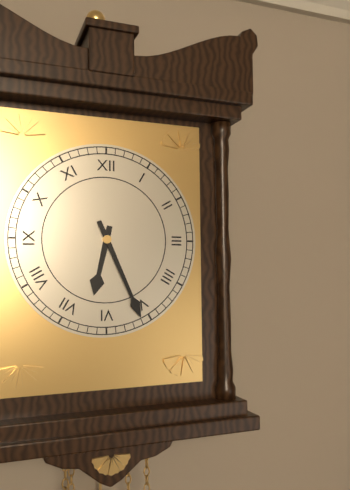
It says 6h26
